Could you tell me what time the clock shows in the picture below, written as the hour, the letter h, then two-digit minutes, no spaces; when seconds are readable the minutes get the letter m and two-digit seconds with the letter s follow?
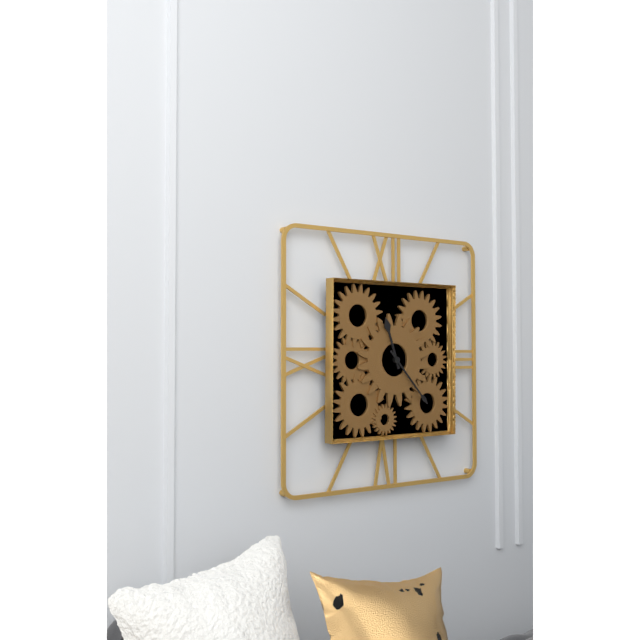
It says 11h23
